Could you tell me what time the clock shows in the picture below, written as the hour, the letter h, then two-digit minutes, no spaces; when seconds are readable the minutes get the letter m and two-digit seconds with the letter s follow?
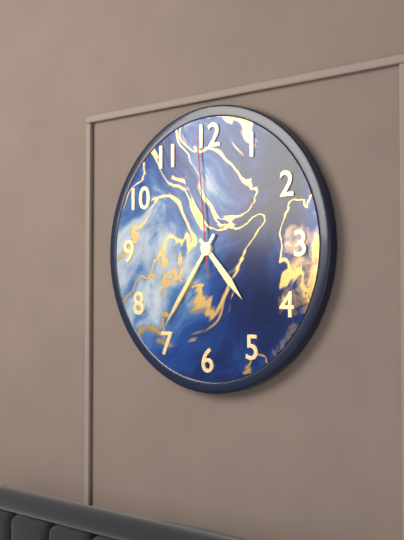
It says 4h36m59s
